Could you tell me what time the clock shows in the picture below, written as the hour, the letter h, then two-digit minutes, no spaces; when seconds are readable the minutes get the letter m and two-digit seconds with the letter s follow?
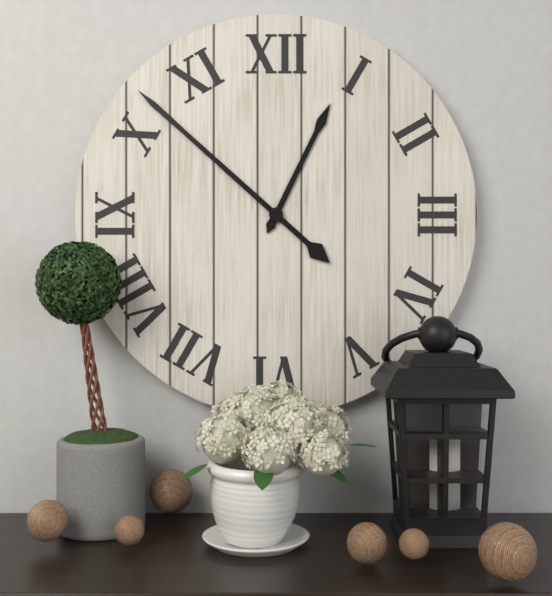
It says 12h52
